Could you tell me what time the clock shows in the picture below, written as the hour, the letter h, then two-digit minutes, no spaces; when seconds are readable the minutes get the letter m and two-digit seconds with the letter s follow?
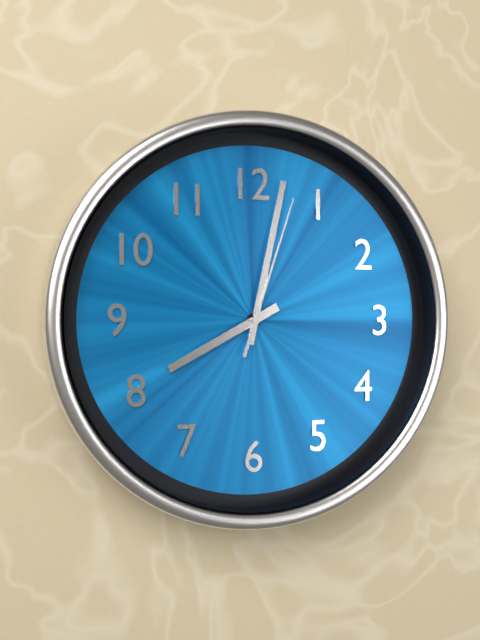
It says 8h02m03s
